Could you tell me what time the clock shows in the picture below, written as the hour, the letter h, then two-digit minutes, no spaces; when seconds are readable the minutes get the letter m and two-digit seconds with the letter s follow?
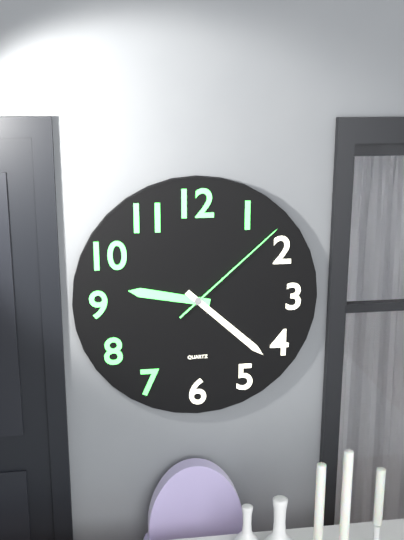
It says 9h22m08s
